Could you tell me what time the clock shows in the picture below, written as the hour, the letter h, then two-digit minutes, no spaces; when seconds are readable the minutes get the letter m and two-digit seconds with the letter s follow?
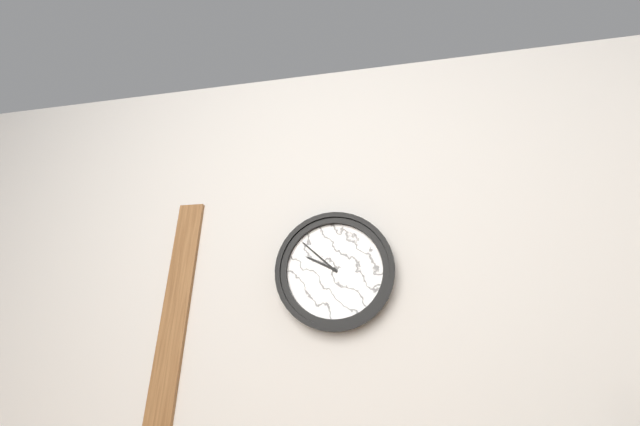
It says 9h52
